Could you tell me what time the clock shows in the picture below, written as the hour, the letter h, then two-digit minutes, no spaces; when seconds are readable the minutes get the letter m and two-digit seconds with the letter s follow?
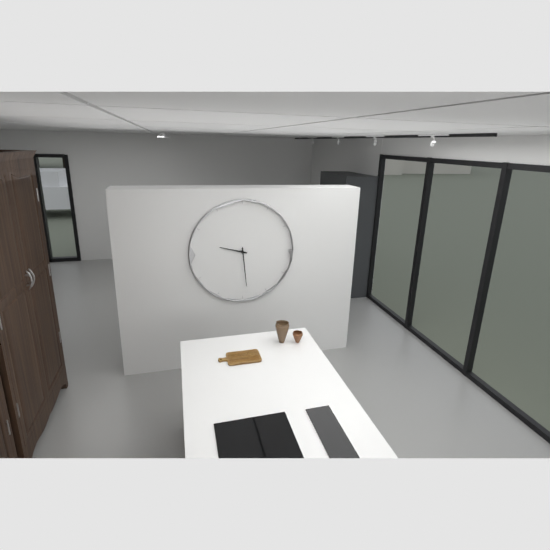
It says 9h29
